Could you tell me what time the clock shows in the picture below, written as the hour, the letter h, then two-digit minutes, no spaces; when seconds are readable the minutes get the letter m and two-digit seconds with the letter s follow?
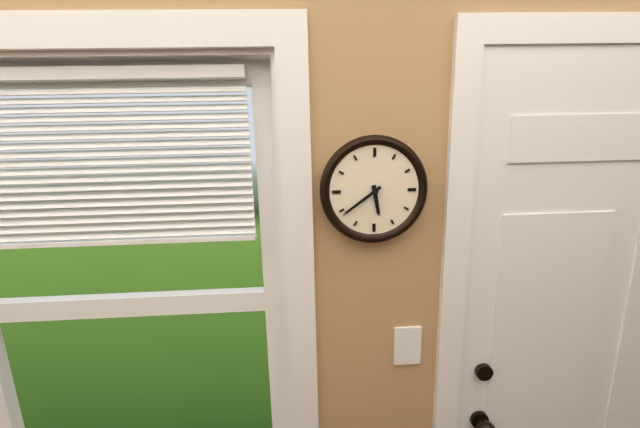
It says 5h39
